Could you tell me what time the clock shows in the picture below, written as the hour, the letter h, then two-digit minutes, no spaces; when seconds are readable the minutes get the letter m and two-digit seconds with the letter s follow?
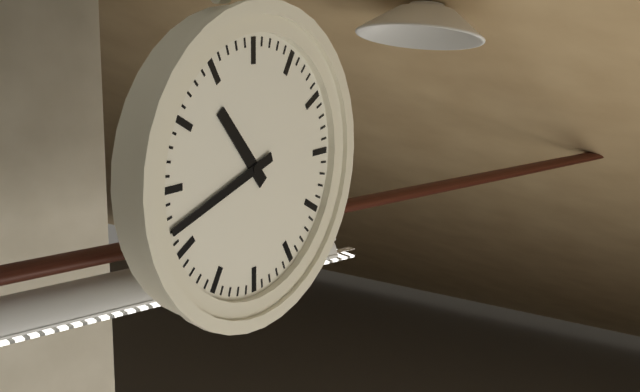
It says 10h42
